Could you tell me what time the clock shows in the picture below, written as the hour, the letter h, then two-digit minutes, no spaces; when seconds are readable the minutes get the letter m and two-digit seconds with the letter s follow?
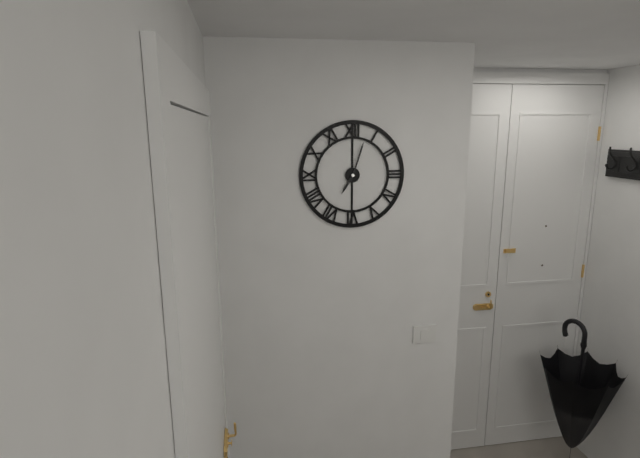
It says 7h03
